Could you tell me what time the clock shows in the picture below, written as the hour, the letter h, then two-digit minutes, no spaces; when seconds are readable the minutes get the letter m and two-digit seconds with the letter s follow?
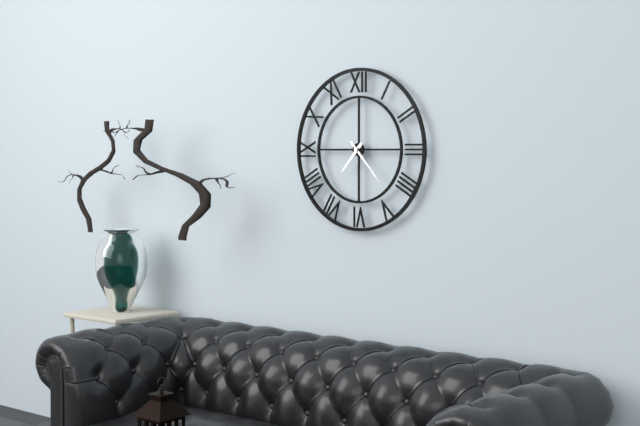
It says 7h23
